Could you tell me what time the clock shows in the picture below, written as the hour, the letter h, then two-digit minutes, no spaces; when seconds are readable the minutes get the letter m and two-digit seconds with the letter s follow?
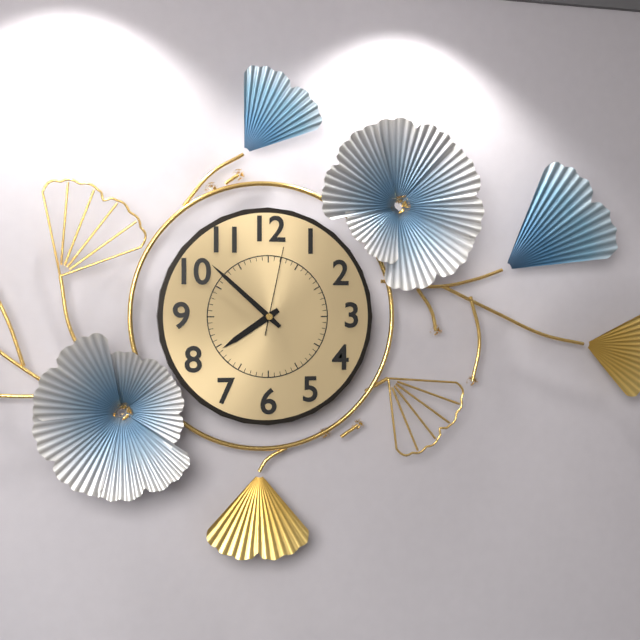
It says 7h52m02s
